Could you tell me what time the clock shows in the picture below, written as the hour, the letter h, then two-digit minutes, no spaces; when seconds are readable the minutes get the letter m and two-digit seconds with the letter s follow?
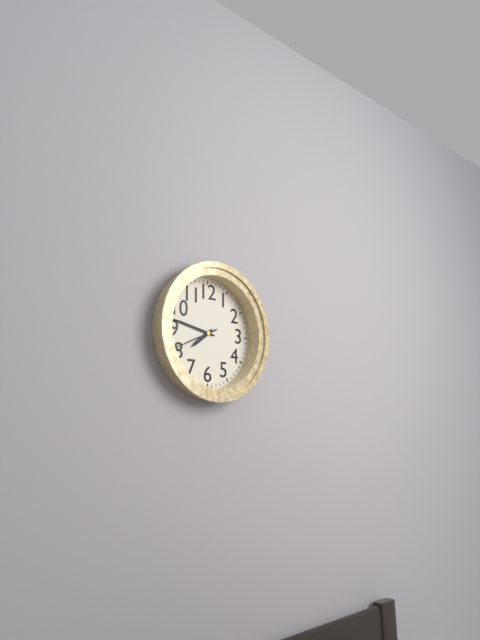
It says 7h47m41s
